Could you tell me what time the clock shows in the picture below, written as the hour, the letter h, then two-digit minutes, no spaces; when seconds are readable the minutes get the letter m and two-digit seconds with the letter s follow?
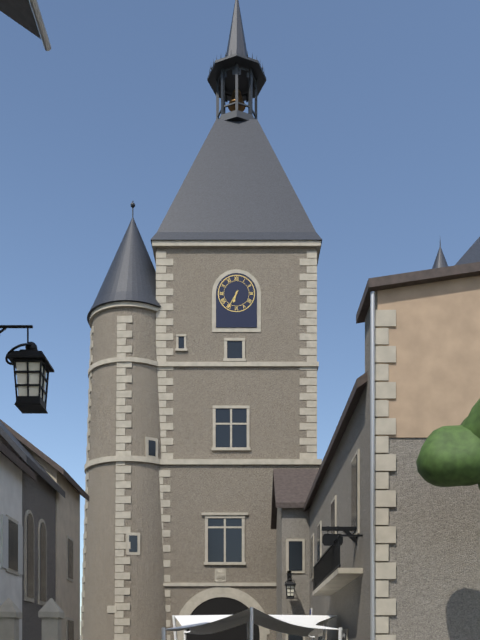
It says 6h35
